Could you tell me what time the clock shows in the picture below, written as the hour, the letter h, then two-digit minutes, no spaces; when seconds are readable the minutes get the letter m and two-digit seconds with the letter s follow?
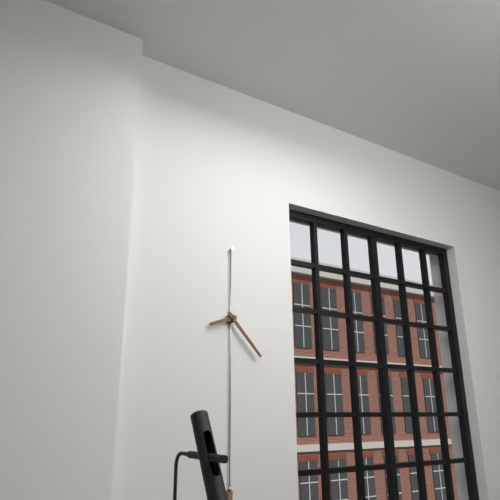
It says 8h23
